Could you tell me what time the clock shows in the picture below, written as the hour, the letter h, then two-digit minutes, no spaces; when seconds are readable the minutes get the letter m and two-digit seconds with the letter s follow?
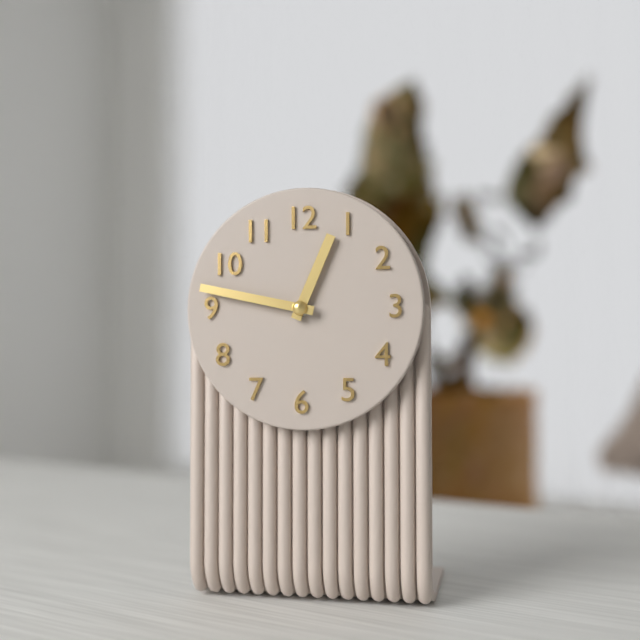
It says 12h47
